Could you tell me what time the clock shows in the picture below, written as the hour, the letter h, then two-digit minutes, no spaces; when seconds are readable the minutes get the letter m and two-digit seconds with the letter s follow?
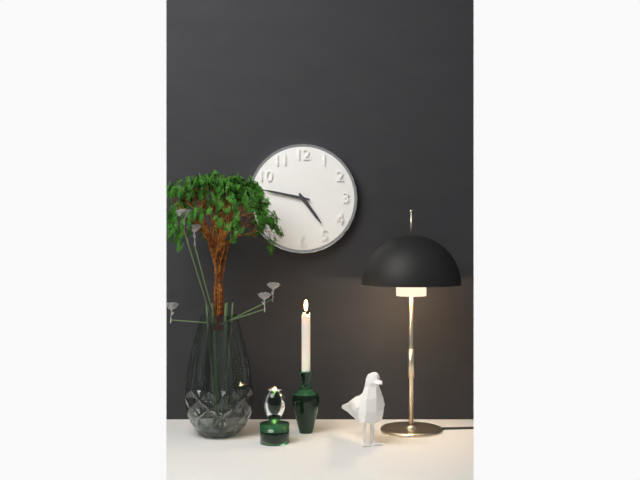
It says 4h47
